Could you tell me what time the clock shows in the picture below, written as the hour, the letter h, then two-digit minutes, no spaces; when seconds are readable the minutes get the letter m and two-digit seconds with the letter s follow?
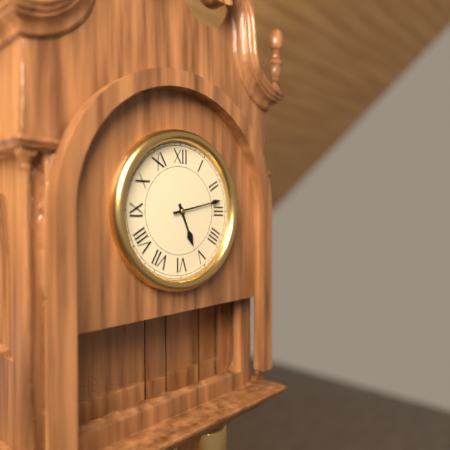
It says 5h13
